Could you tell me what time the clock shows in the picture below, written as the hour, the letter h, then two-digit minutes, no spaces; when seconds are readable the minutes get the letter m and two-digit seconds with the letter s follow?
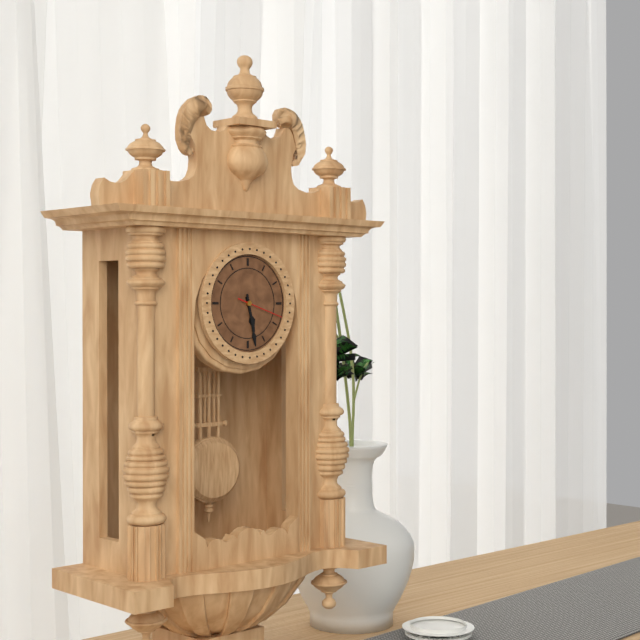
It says 5h28
